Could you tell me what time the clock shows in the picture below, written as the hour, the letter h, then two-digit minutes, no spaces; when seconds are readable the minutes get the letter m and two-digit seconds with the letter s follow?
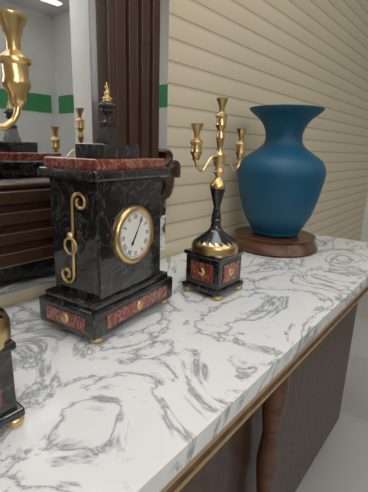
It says 7h05
